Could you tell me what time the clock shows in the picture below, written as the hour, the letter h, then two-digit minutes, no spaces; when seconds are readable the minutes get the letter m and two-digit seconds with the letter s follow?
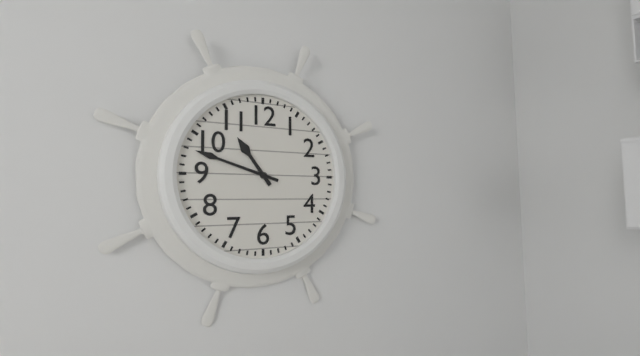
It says 10h48
